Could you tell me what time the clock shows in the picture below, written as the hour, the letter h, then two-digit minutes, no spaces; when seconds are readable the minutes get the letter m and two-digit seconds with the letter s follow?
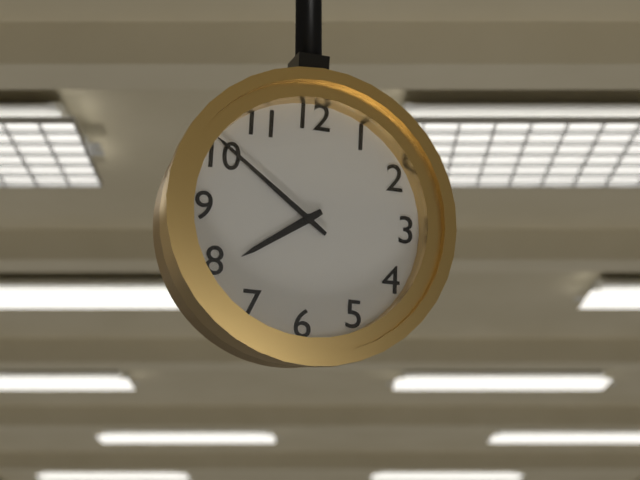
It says 7h51
